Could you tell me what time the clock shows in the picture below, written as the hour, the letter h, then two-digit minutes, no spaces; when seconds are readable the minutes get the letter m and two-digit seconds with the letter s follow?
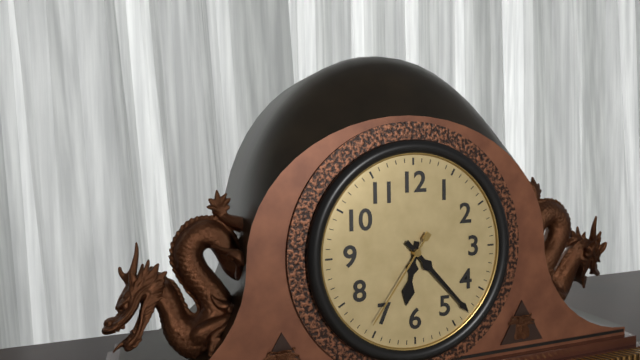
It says 6h23m36s
